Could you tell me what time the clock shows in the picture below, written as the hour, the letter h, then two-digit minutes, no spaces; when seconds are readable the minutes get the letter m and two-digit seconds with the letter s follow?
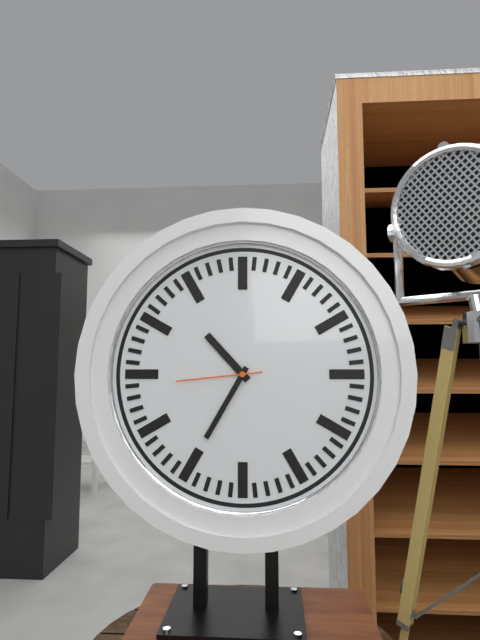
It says 10h35m44s
